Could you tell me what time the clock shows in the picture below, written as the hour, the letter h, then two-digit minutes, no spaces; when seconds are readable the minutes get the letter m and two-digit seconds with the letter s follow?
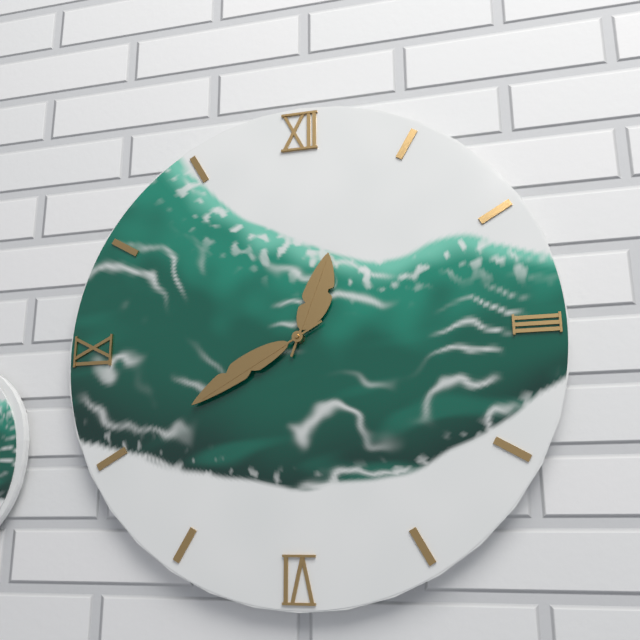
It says 12h40
